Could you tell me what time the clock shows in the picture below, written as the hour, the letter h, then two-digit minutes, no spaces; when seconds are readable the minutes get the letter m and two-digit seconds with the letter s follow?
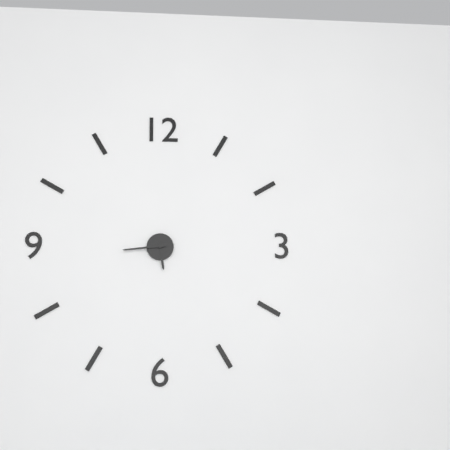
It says 5h44
